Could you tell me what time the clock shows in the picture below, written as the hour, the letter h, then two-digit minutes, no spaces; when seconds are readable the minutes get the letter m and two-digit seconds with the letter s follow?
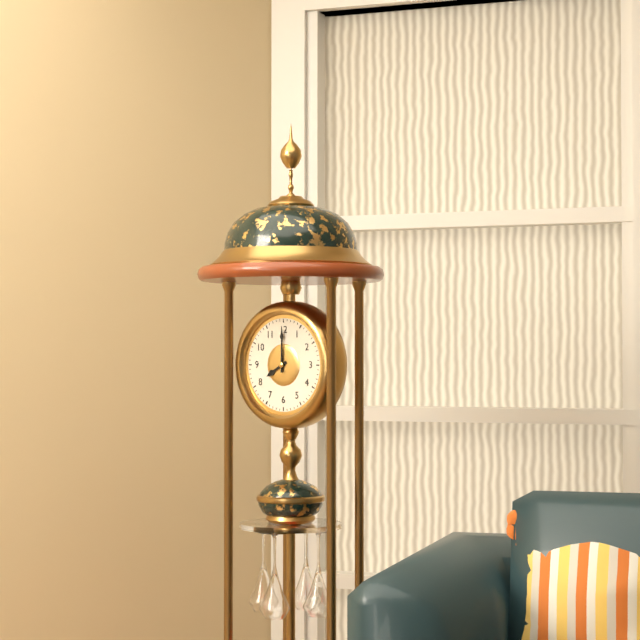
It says 8h00
